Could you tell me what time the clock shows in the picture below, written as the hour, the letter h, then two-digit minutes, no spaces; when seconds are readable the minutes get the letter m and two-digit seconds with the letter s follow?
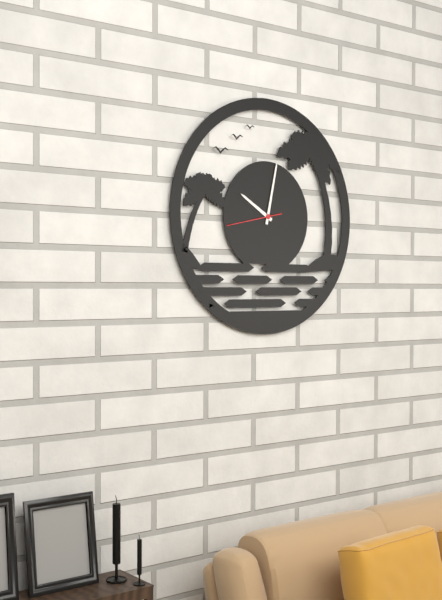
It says 10h02m43s
